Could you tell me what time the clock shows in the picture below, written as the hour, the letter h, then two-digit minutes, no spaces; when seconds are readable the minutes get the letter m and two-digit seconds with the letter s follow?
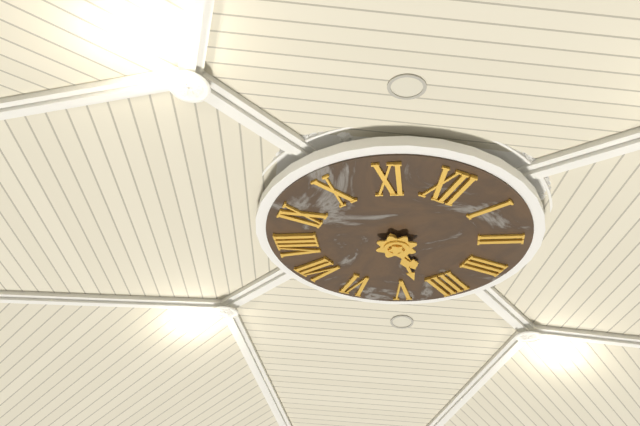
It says 4h23
